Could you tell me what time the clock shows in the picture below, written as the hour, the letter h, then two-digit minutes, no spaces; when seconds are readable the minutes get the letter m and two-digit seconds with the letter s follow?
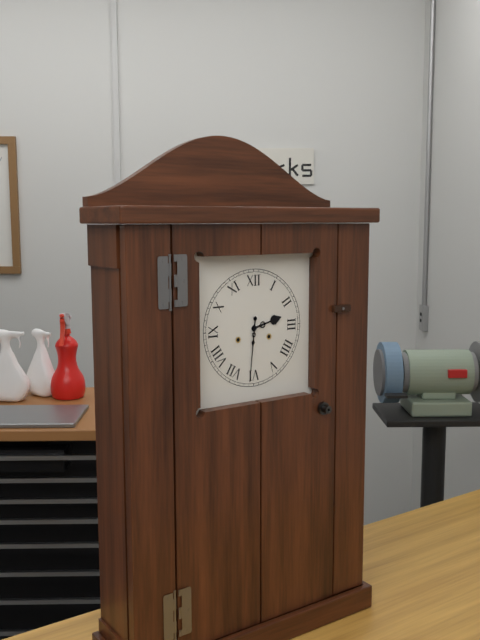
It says 2h31
